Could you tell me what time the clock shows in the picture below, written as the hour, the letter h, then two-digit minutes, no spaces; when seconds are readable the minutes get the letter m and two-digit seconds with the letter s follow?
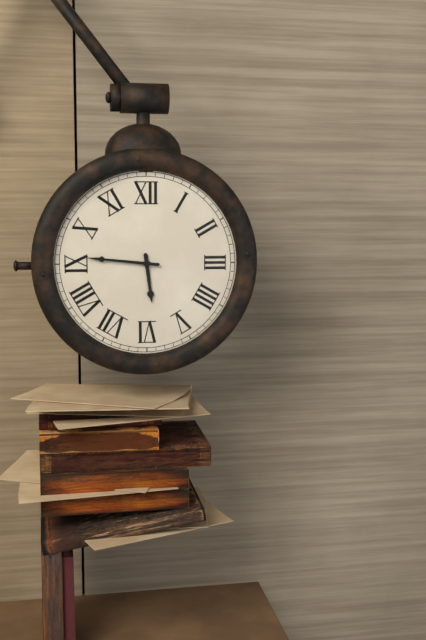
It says 5h46
